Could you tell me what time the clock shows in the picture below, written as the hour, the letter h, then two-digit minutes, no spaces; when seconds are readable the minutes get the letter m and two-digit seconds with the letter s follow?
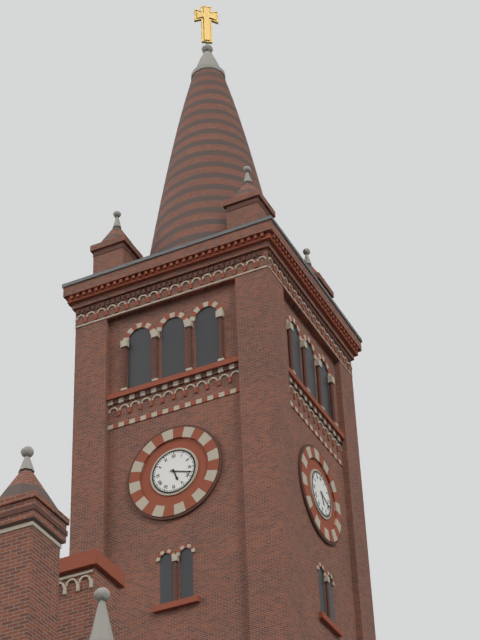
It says 5h18
